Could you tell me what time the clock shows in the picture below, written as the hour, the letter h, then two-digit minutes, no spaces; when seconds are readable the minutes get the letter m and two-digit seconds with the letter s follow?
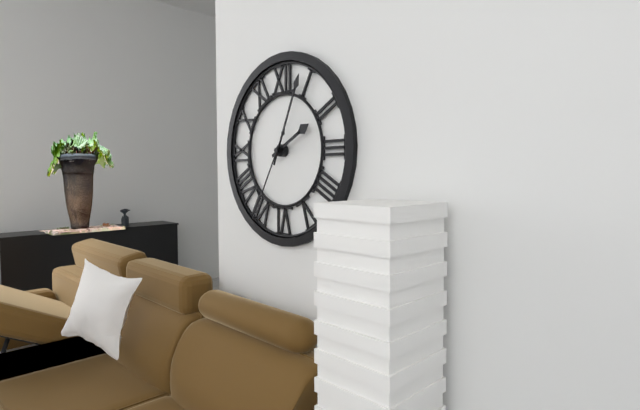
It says 2h04m35s
